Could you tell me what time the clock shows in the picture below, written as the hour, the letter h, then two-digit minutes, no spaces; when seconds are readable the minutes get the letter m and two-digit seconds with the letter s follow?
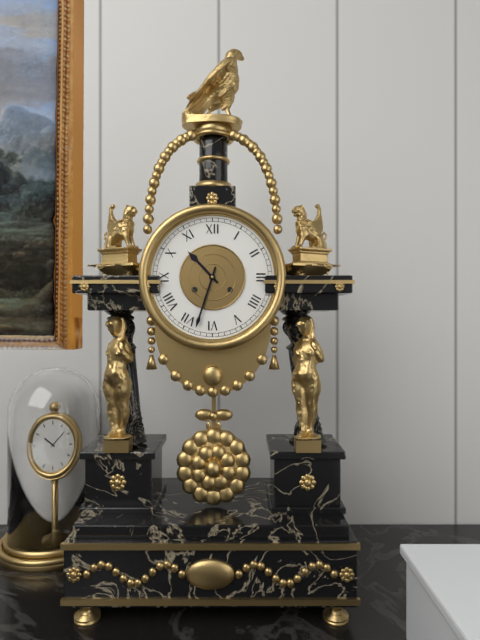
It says 10h33
